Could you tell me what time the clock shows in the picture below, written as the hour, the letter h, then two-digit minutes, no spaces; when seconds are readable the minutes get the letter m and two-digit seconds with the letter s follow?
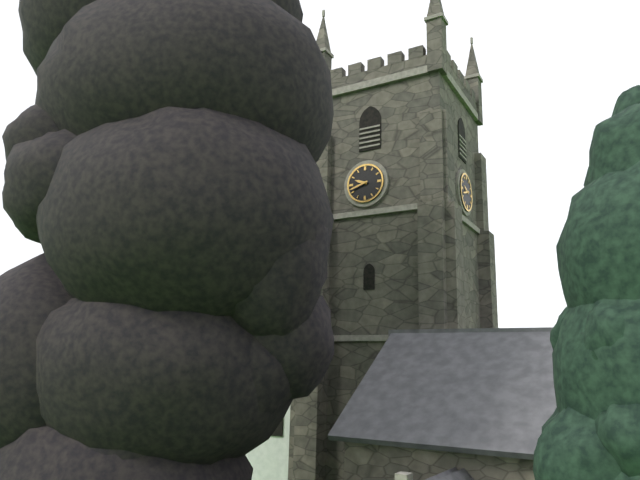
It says 9h42
